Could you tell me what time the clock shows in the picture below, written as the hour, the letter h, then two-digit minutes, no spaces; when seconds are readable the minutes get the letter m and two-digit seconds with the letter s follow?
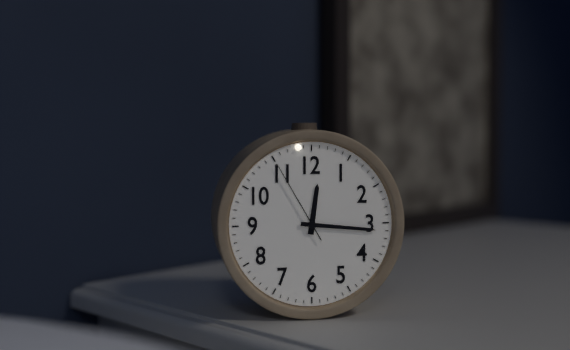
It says 12h16m55s
